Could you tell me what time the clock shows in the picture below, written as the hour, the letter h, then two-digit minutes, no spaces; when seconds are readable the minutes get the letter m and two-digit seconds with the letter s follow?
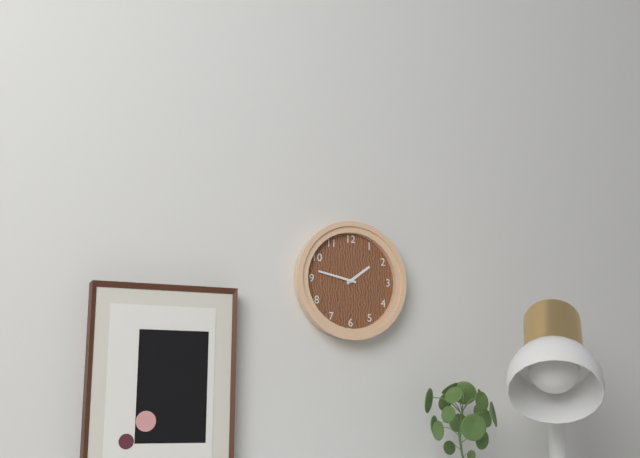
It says 1h47
